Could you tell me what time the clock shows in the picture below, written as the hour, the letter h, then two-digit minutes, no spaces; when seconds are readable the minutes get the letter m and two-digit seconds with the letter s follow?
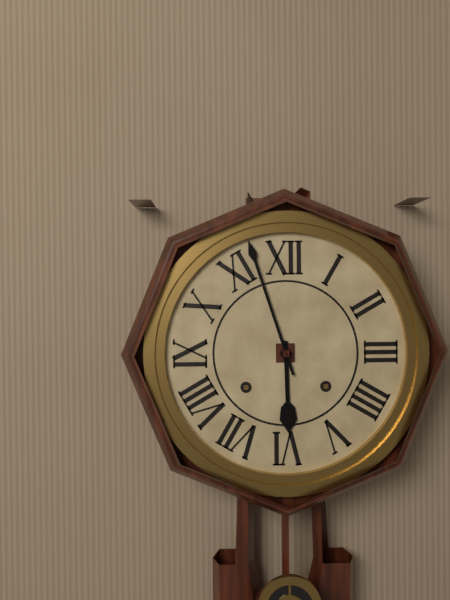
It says 5h57
